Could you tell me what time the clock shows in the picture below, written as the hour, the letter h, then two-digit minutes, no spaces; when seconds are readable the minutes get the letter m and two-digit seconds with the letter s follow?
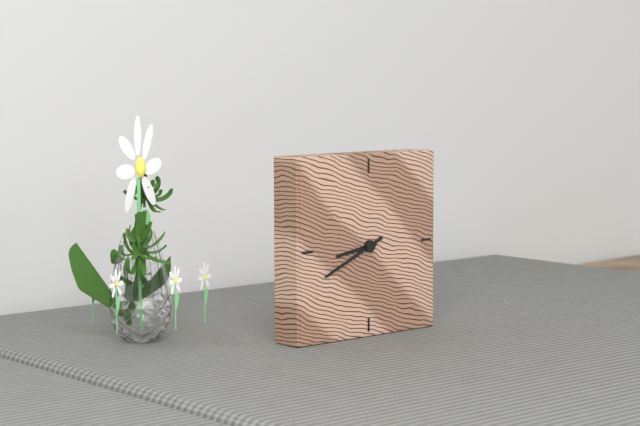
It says 8h41
